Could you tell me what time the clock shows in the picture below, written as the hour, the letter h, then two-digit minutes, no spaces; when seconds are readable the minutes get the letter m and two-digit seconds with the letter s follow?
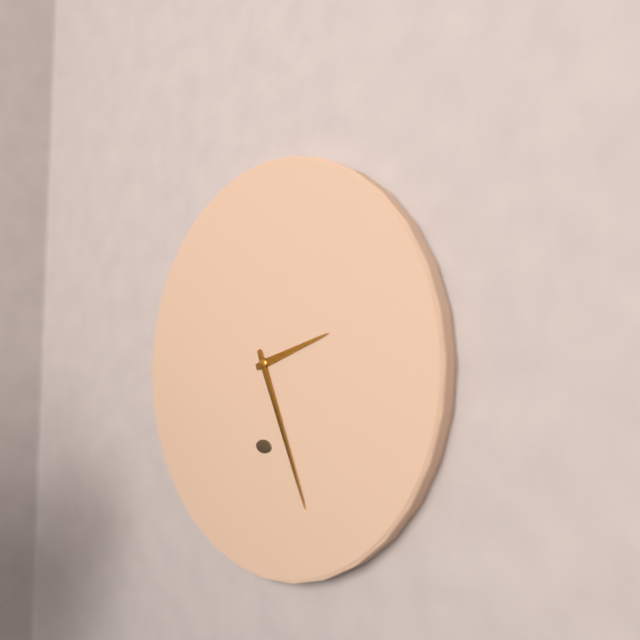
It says 2h26
